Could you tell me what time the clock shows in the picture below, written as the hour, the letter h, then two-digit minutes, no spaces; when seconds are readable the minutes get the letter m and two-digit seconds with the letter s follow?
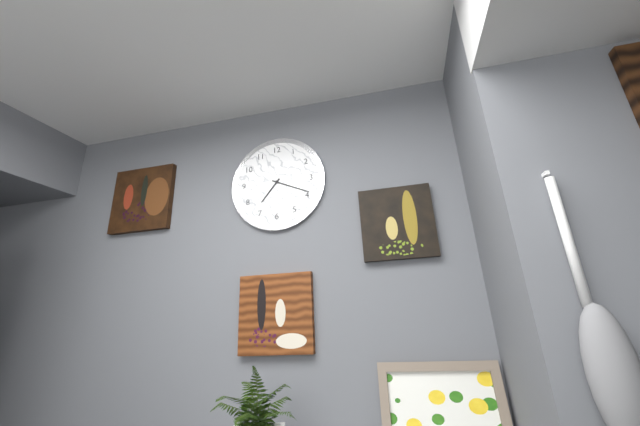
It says 7h19
